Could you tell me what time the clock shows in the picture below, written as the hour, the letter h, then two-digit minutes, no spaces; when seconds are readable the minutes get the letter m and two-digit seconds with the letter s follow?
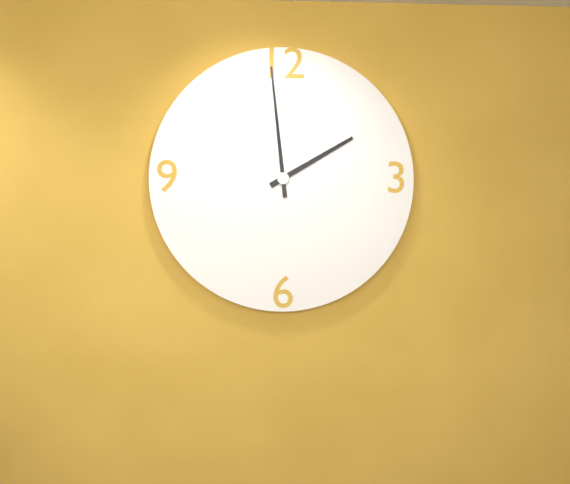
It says 1h59
